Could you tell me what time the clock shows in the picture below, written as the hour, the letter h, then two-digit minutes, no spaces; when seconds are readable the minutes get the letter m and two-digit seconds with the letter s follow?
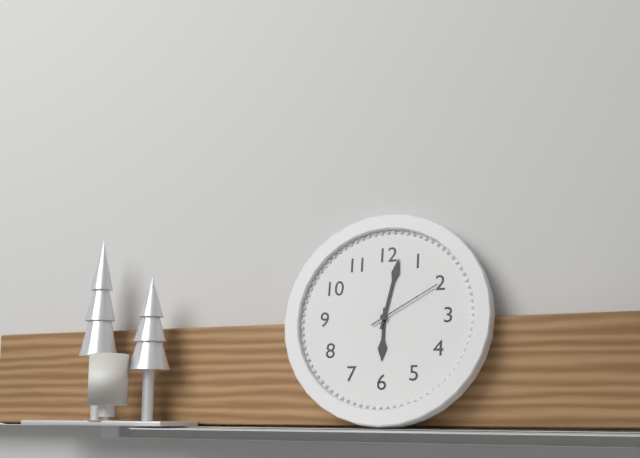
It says 6h02m10s
